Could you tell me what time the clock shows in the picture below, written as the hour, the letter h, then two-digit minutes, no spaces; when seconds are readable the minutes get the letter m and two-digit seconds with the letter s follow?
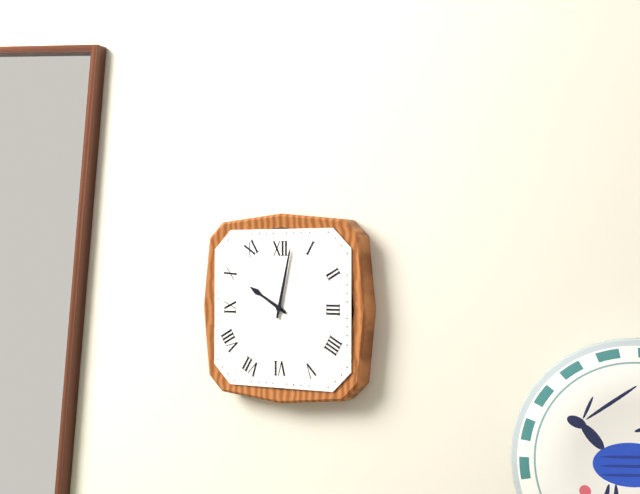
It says 10h02
